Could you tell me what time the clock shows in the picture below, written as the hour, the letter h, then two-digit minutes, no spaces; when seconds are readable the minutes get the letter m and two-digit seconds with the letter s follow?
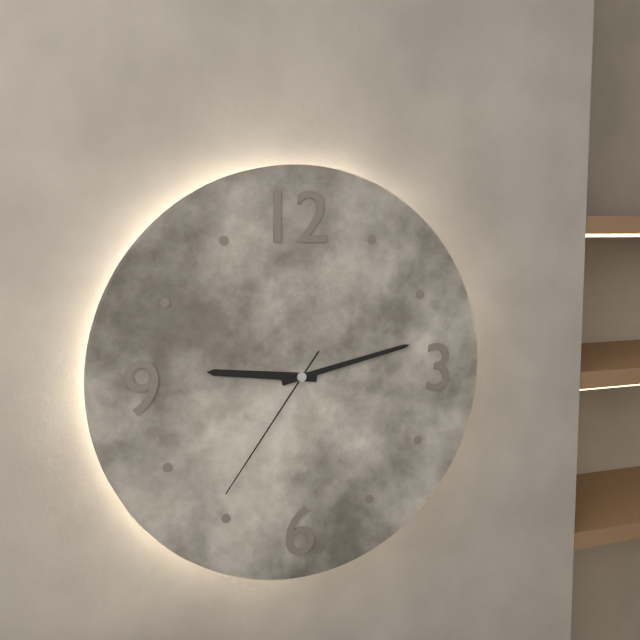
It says 9h13m36s
